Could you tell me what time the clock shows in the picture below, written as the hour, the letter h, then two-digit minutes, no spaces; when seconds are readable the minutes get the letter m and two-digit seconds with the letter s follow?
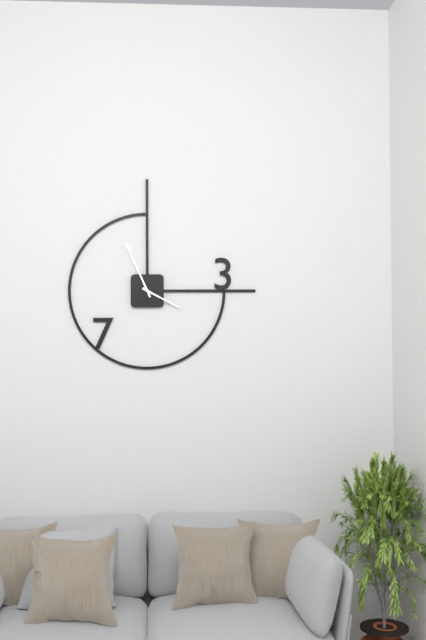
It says 3h56
